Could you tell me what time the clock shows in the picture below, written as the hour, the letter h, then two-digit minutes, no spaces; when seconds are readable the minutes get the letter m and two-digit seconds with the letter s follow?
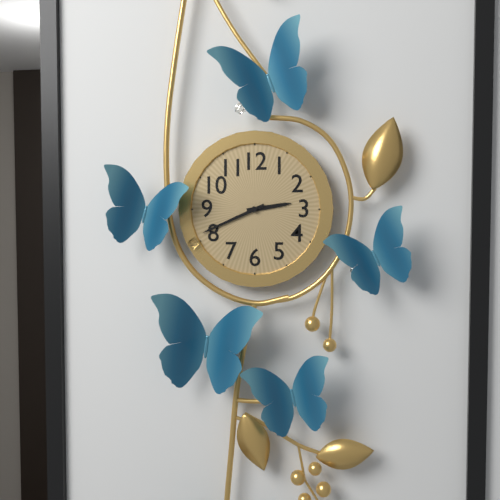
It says 2h41
